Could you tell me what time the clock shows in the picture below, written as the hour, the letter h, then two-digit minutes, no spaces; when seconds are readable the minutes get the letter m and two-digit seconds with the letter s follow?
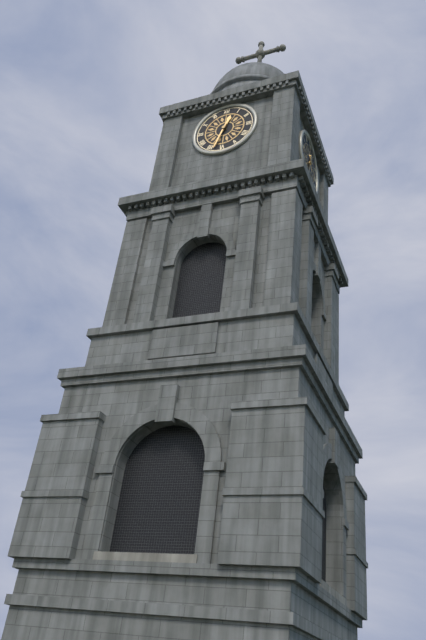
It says 12h33
